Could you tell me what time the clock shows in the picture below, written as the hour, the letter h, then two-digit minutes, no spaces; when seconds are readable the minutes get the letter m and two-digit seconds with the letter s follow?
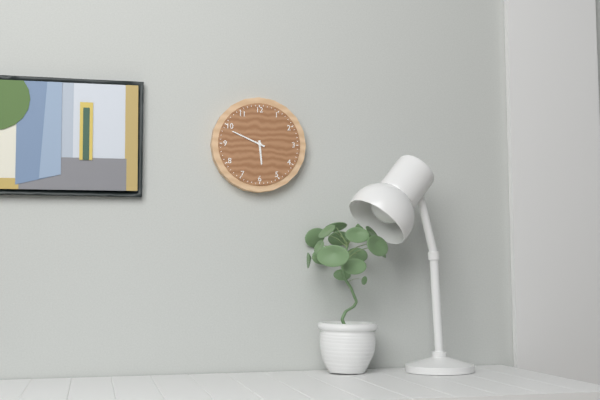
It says 5h49
